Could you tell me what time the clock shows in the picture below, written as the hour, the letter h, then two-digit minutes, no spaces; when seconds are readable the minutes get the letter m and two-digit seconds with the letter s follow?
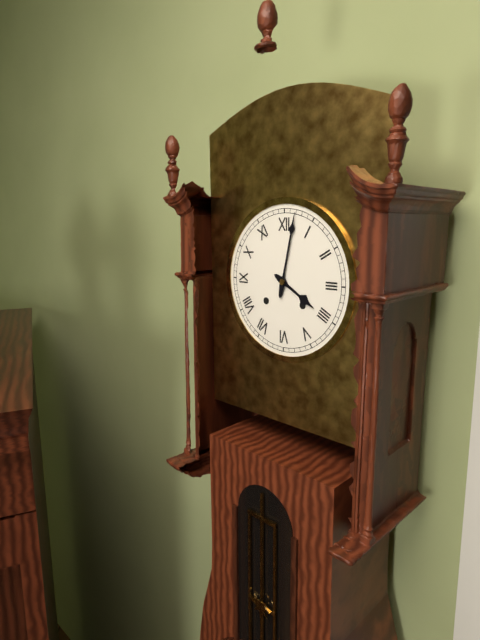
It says 4h02
